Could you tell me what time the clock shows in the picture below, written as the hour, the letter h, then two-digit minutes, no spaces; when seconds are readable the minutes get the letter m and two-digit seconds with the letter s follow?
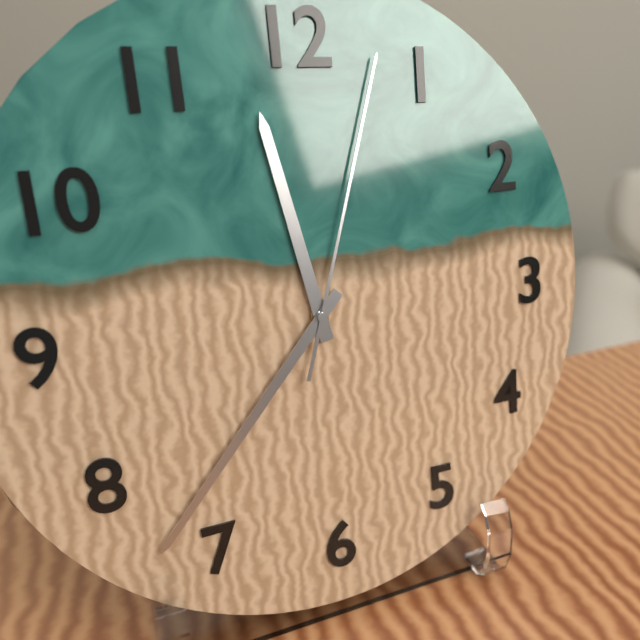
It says 11h37m03s
